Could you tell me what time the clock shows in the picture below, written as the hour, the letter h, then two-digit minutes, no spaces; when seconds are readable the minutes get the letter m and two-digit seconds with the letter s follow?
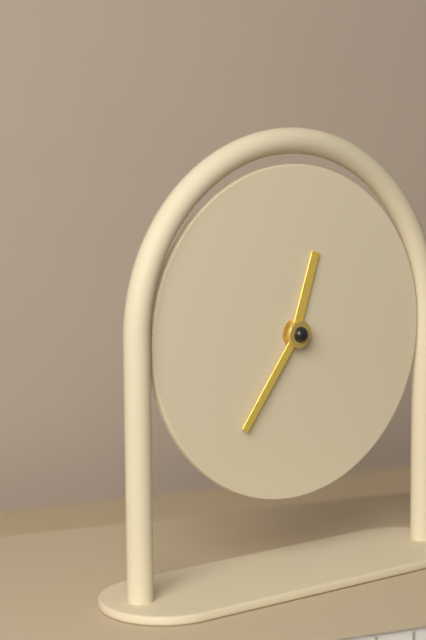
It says 12h36
